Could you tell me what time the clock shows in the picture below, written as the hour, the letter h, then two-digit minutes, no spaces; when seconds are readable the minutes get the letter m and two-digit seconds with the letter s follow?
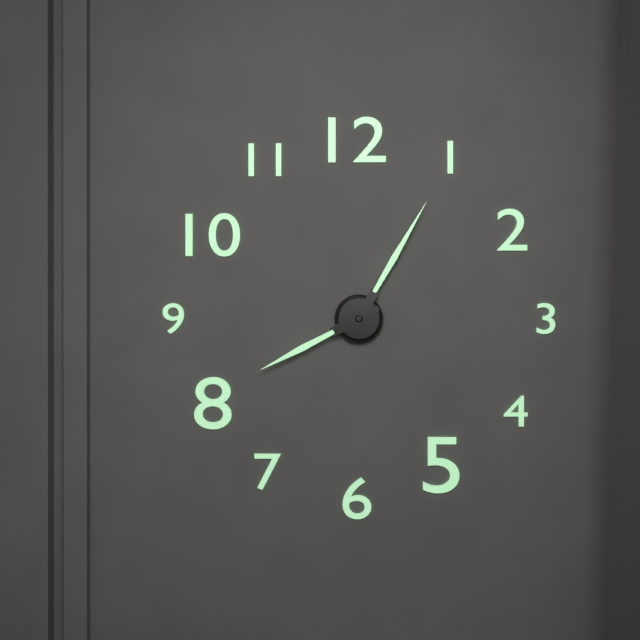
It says 8h05
